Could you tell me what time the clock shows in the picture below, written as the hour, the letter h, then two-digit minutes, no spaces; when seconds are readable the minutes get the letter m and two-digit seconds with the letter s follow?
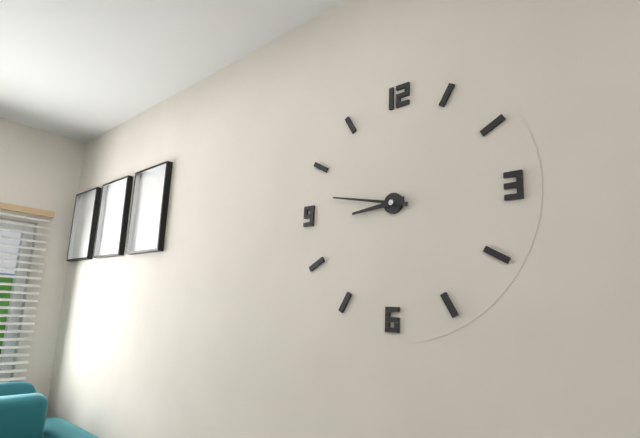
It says 8h47
